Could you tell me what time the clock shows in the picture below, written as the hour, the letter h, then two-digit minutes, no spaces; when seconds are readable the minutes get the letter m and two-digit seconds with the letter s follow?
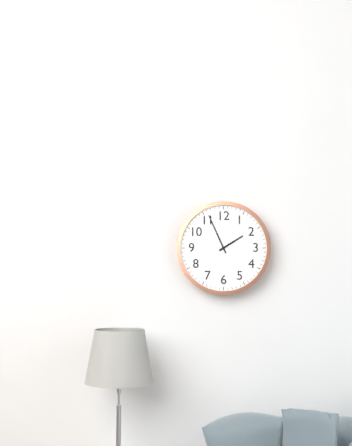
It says 1h56
